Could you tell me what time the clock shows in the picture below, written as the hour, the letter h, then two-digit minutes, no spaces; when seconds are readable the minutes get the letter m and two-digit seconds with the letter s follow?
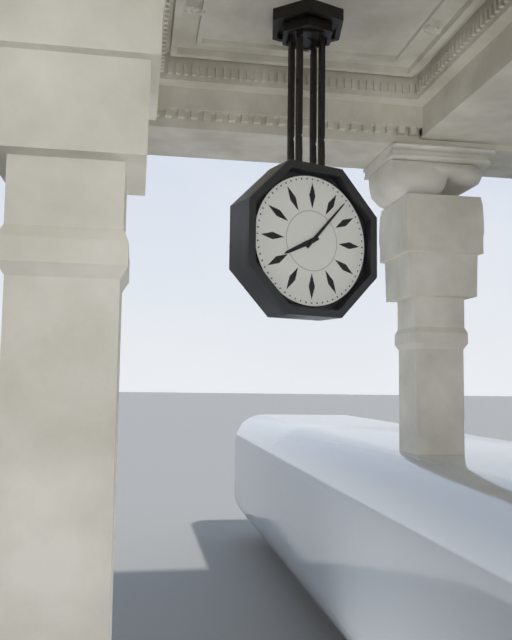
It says 8h07
